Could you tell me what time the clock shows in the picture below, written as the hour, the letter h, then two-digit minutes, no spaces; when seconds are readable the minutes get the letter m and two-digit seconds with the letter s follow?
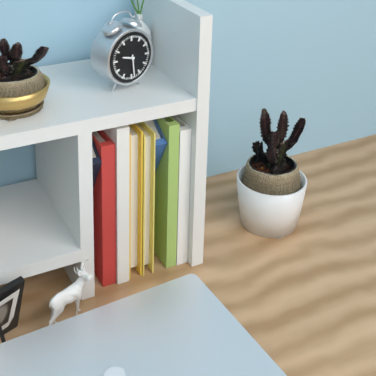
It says 9h29
